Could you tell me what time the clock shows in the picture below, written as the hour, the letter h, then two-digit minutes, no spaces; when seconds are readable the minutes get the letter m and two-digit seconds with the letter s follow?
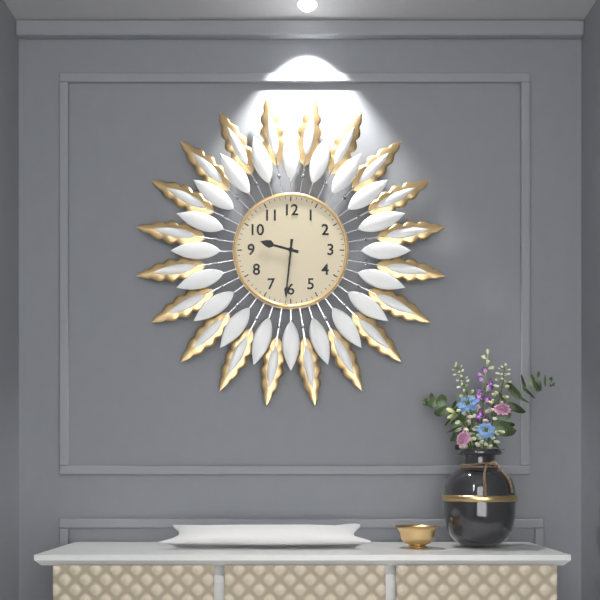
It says 9h31
